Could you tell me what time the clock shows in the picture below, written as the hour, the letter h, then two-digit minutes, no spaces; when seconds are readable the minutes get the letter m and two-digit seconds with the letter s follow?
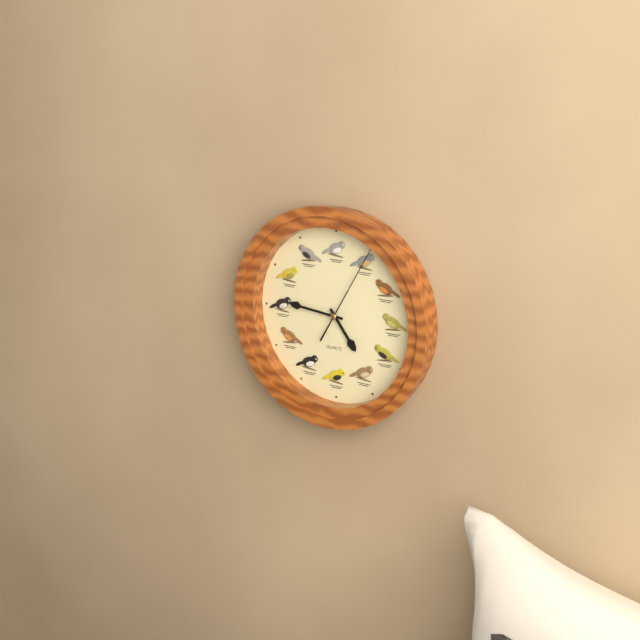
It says 4h46m05s
